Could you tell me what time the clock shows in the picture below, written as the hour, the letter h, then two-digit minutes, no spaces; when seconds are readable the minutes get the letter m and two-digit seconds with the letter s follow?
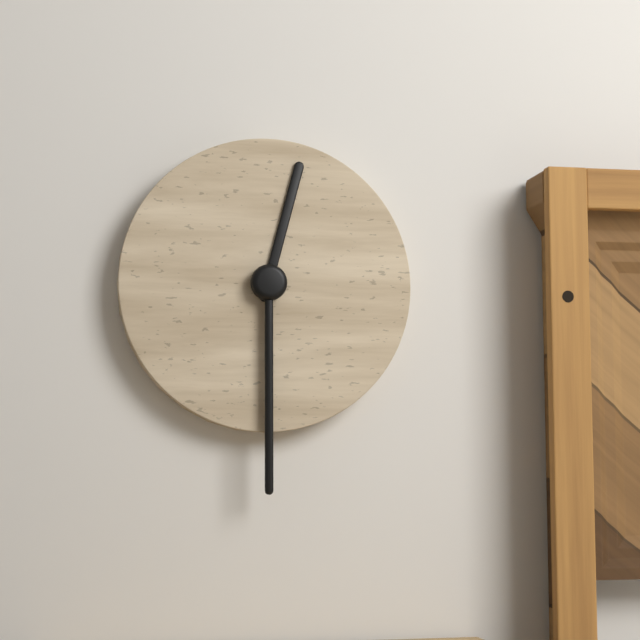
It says 12h30
